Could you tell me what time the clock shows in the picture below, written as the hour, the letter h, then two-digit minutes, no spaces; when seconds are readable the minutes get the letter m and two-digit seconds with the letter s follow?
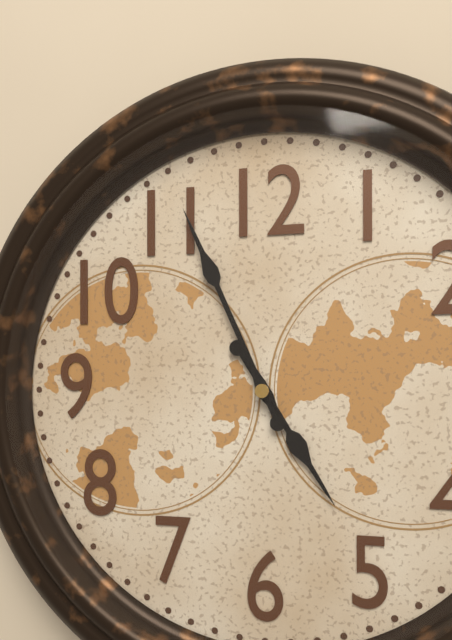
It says 4h56
